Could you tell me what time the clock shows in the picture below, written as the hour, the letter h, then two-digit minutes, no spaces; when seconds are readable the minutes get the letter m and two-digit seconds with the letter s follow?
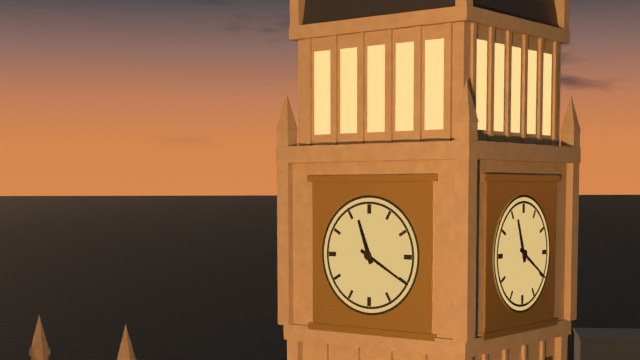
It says 11h20
